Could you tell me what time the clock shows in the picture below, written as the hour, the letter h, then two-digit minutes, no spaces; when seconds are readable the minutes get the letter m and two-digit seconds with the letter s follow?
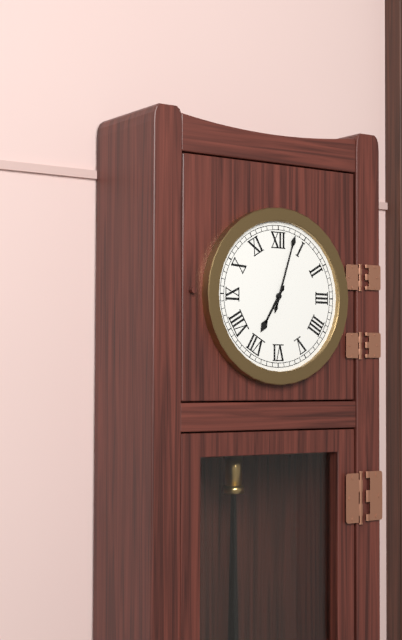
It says 7h03
